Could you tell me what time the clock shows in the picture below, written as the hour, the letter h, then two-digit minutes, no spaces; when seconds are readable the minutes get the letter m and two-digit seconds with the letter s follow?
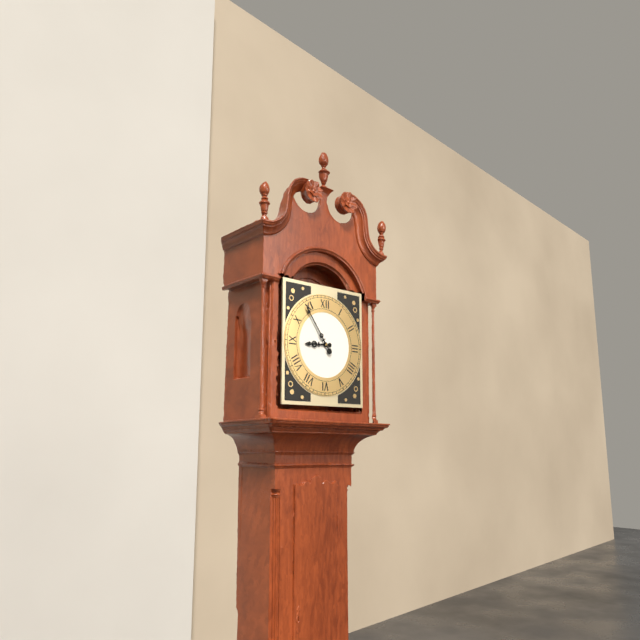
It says 8h54
